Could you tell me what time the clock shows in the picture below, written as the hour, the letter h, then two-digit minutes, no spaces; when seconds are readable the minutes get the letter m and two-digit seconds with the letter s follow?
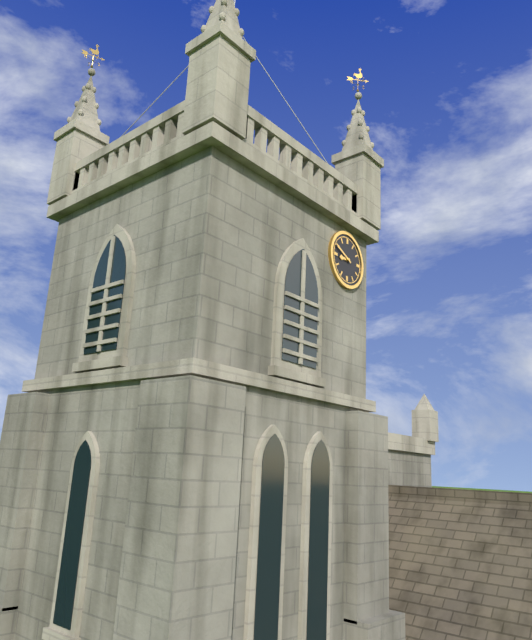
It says 8h49
